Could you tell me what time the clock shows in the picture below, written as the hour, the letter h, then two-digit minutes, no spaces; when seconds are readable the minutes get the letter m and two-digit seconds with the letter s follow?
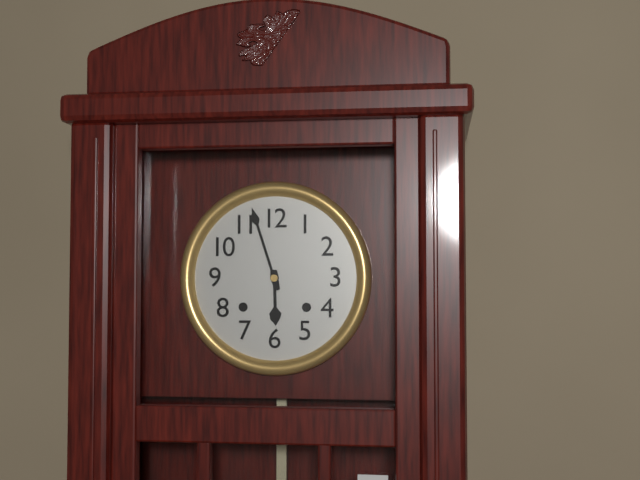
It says 5h57
